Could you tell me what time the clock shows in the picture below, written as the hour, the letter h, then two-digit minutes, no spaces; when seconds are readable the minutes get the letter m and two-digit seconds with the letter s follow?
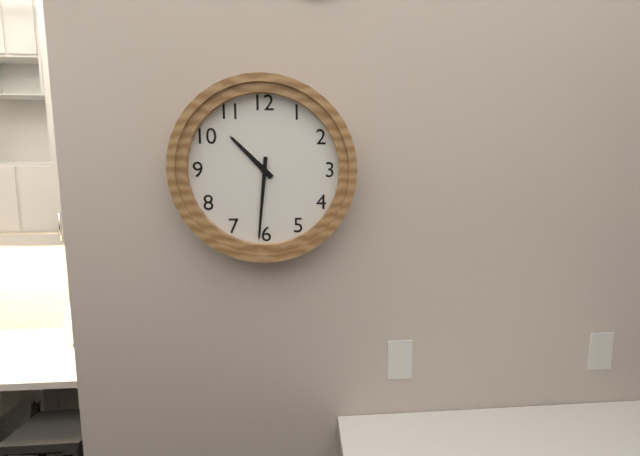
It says 10h31
